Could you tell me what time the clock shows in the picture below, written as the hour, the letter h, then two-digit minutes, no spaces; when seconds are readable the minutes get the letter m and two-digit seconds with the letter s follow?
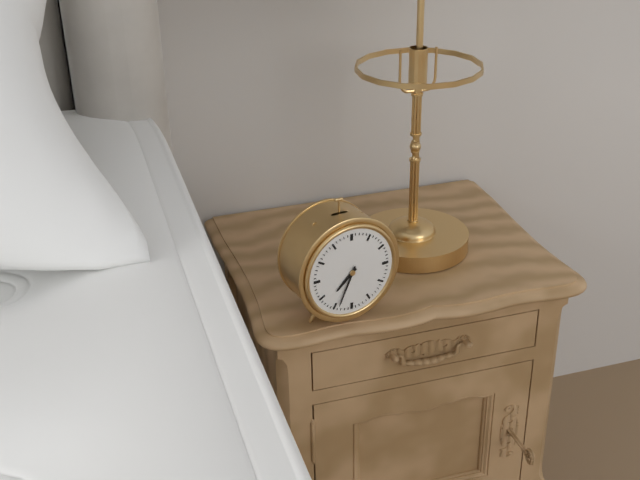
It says 7h34
